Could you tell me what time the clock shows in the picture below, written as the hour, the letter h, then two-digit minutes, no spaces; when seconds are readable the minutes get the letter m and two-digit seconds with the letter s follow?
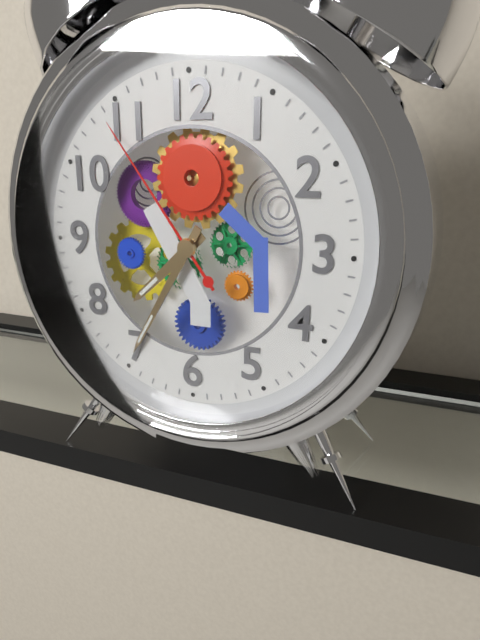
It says 7h35m54s
